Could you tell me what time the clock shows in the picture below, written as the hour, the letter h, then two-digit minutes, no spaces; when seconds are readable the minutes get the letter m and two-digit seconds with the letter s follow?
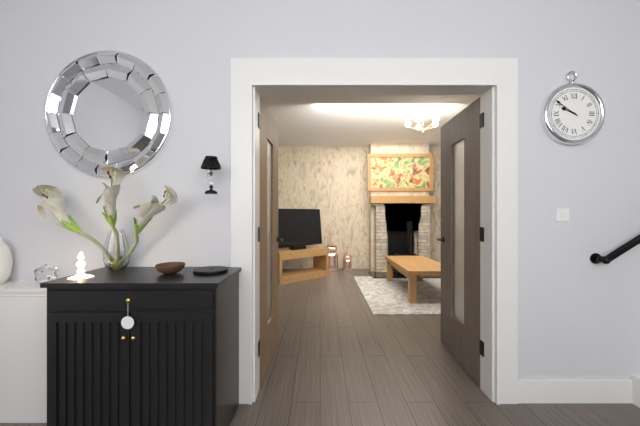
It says 9h51
